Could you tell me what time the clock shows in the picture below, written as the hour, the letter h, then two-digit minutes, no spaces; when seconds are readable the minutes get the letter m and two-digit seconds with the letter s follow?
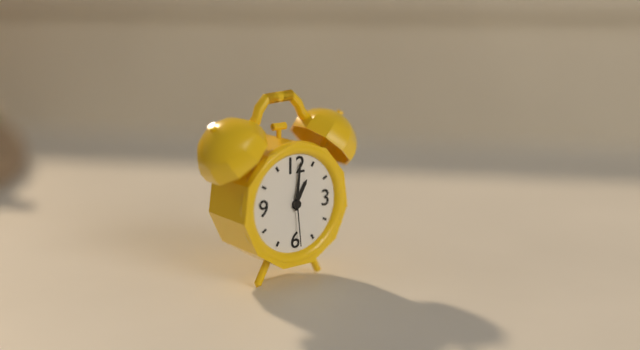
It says 1h01m29s
